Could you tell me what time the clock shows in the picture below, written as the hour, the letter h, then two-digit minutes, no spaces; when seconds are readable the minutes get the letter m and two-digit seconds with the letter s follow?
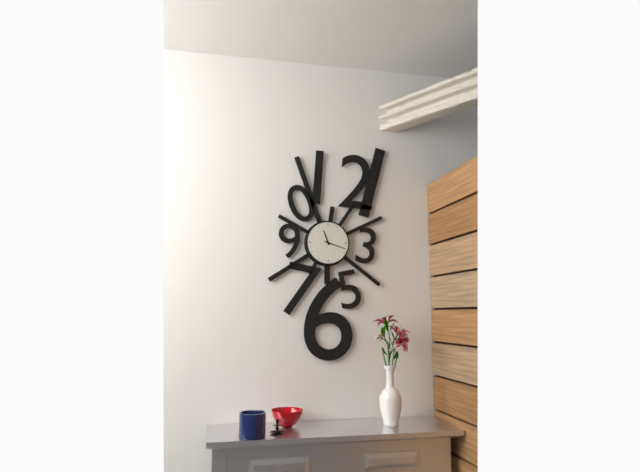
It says 11h18
